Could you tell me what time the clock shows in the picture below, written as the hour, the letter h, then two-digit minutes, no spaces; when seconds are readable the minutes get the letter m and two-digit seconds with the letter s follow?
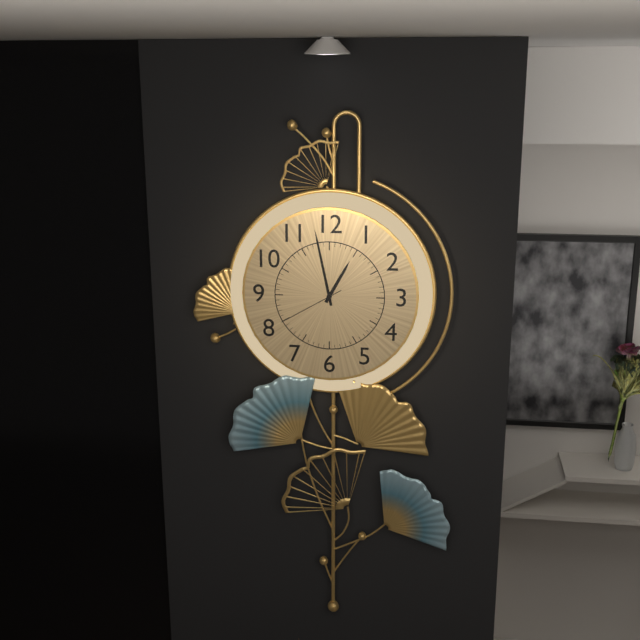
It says 12h58m40s
